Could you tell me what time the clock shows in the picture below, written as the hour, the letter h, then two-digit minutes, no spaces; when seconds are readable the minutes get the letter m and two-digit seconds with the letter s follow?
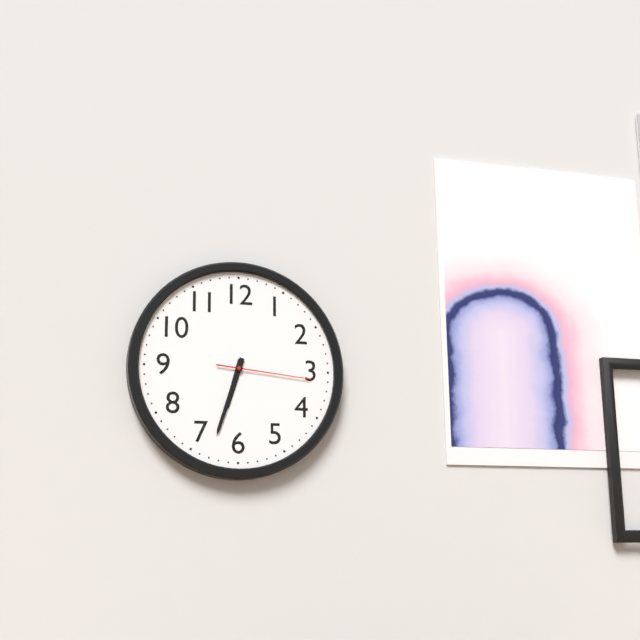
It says 6h33m16s
